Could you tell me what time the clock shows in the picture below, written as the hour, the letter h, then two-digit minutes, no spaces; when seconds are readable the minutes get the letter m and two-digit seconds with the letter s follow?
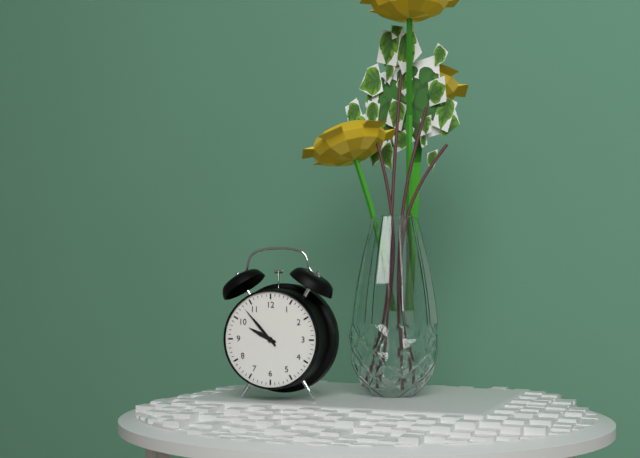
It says 9h53
